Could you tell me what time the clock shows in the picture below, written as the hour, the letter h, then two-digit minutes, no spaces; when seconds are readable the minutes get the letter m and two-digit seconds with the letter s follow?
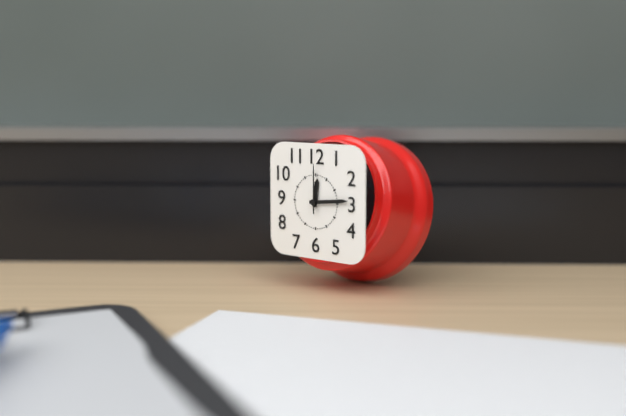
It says 12h14
